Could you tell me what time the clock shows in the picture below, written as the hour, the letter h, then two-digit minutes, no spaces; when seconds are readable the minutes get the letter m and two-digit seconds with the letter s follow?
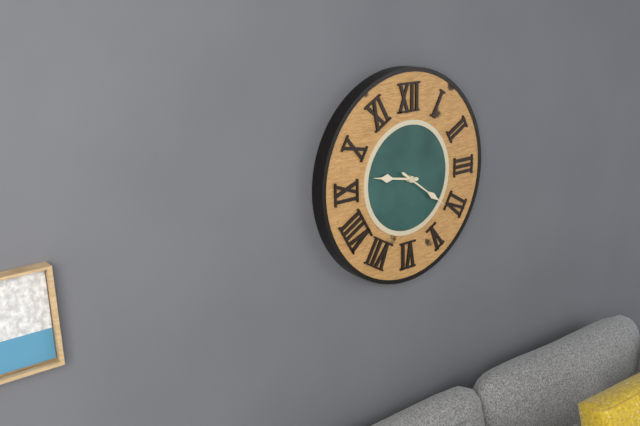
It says 9h21
